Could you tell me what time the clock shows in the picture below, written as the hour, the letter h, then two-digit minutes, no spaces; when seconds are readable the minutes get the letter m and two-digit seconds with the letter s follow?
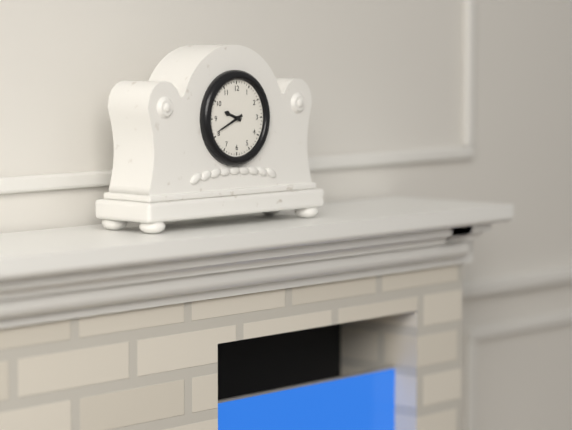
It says 9h41
